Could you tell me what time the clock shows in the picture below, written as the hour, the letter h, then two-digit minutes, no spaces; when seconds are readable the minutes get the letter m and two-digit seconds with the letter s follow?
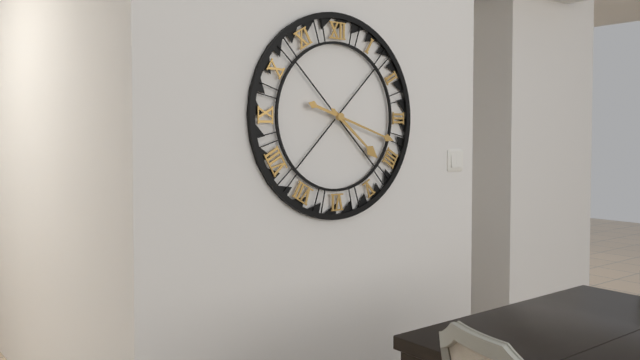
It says 4h18
